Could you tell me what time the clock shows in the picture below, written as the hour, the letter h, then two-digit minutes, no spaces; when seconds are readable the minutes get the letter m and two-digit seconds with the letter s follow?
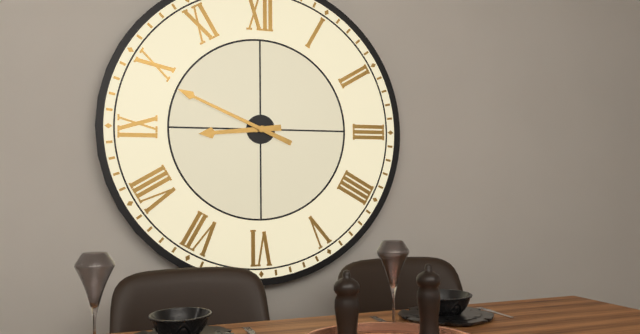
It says 8h49
